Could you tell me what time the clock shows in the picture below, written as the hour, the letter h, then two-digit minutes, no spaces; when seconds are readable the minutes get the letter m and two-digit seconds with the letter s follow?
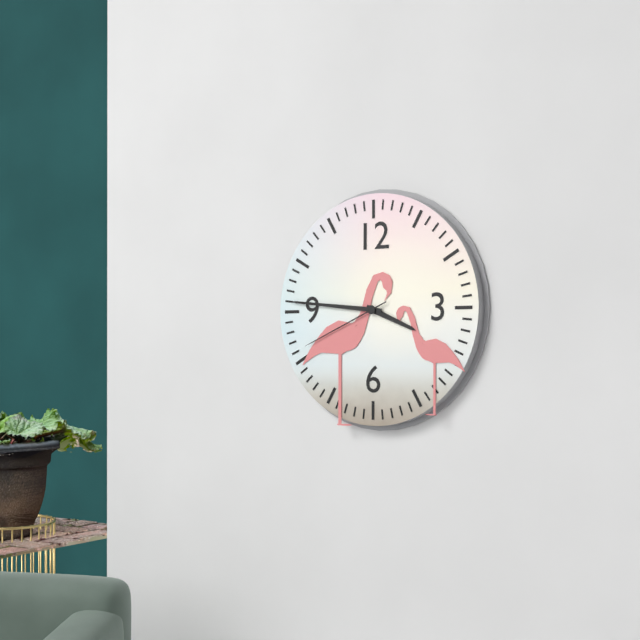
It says 3h46m41s
